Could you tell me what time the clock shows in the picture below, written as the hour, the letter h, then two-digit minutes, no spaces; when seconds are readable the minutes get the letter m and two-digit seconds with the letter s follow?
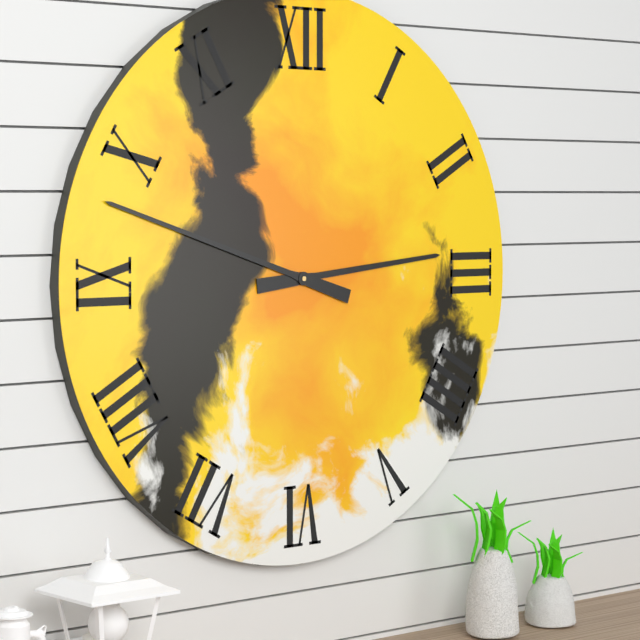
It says 2h48
